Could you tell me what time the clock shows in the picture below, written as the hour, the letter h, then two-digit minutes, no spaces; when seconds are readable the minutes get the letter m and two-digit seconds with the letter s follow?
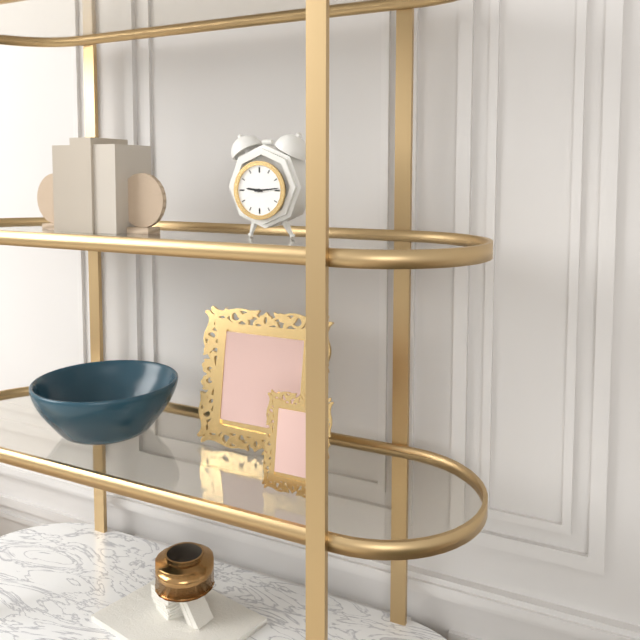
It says 9h14
